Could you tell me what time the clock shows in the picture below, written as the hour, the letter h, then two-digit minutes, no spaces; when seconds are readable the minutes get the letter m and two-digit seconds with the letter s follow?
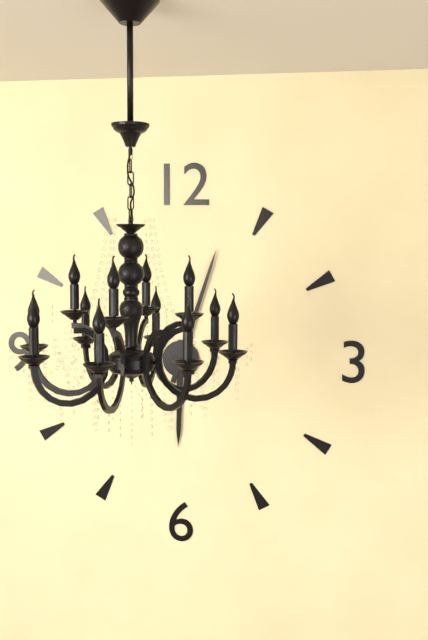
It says 6h03
